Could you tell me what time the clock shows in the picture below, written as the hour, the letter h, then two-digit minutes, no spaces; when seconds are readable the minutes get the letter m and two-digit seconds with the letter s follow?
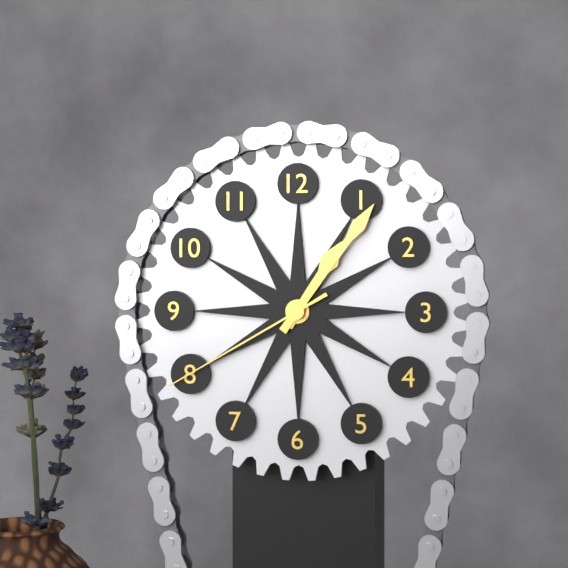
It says 1h06m40s
